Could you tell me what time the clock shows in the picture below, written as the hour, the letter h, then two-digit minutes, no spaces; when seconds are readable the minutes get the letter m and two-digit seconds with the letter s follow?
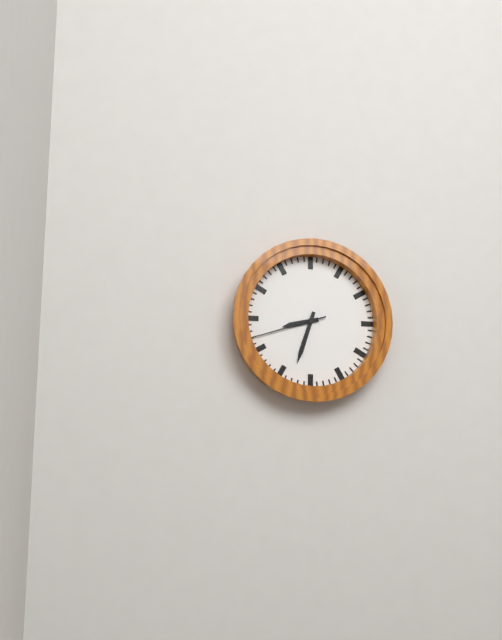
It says 8h33m42s
